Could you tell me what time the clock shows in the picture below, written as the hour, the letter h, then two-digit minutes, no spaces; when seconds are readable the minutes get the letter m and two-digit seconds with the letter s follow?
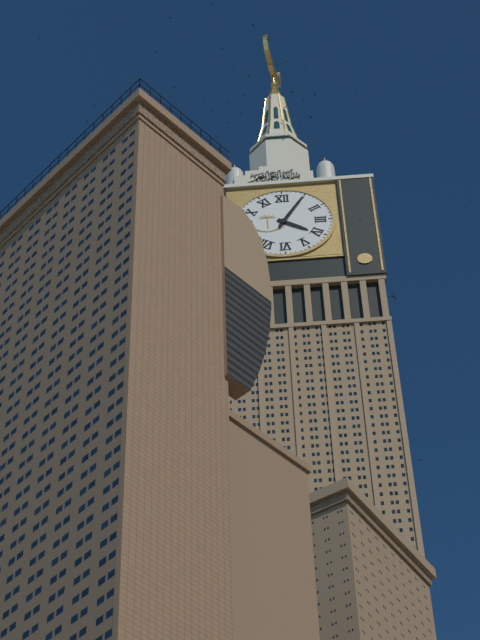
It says 4h05
